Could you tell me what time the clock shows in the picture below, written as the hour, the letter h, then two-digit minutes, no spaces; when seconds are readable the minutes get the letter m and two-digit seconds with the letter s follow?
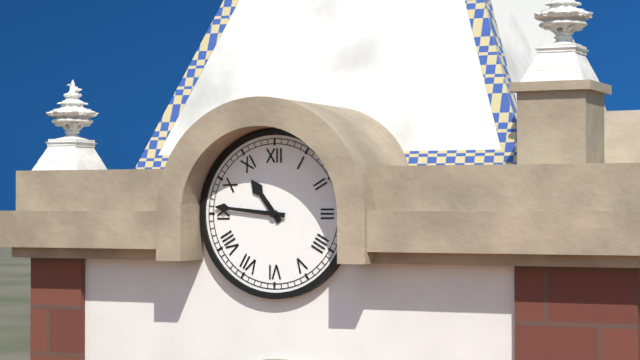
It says 10h46
